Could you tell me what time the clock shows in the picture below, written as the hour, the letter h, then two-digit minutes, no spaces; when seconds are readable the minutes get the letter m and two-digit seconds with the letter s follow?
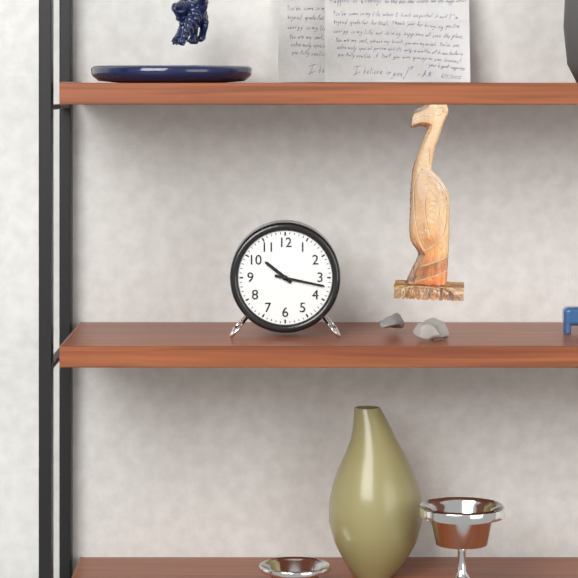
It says 10h17
